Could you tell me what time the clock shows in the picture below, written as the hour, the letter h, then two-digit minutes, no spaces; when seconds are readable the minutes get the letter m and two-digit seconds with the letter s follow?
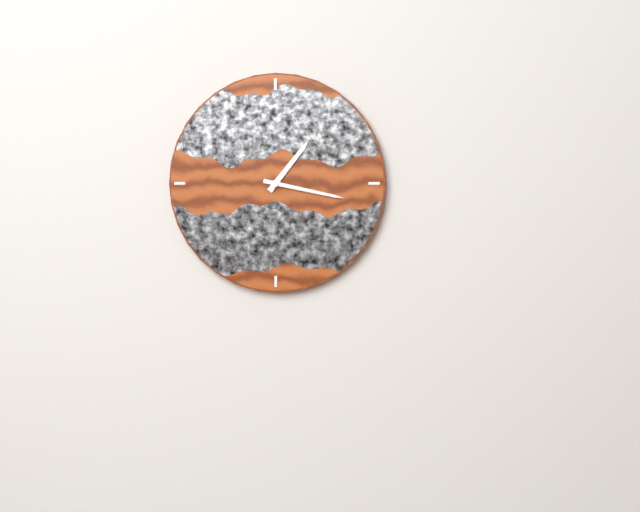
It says 1h17
